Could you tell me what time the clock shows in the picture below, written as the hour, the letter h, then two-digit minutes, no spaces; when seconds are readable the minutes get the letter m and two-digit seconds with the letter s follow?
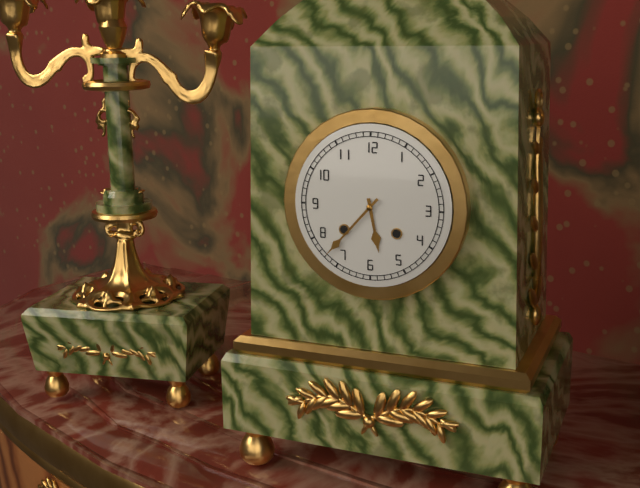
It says 5h37
